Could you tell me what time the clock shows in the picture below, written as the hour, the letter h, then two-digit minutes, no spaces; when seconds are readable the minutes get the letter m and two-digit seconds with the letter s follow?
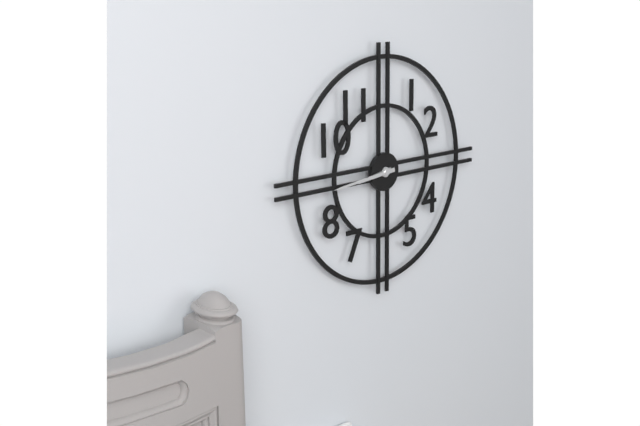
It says 8h44
